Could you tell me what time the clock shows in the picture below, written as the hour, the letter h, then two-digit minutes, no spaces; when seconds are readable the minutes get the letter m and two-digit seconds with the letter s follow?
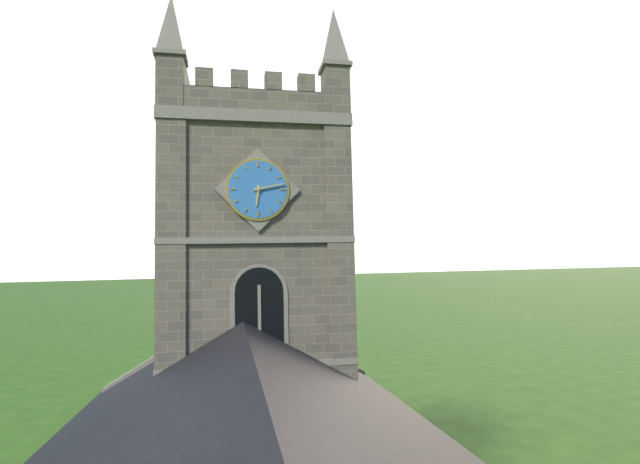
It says 6h13
